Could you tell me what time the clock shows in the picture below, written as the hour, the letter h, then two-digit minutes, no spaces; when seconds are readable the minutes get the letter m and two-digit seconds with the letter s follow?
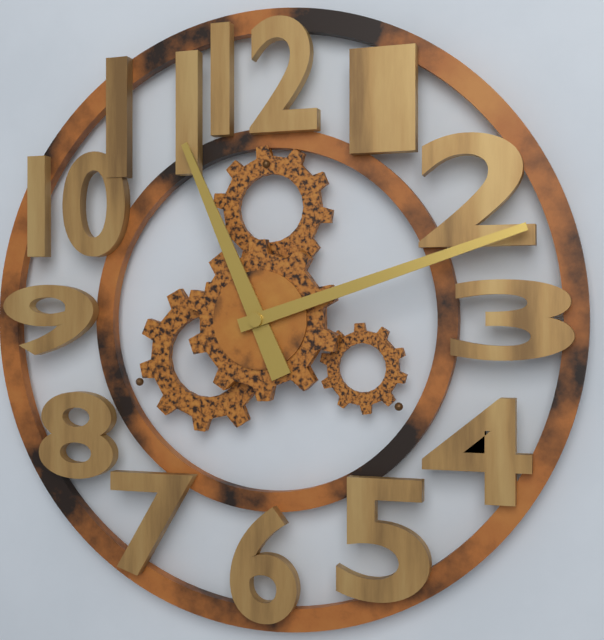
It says 11h12
